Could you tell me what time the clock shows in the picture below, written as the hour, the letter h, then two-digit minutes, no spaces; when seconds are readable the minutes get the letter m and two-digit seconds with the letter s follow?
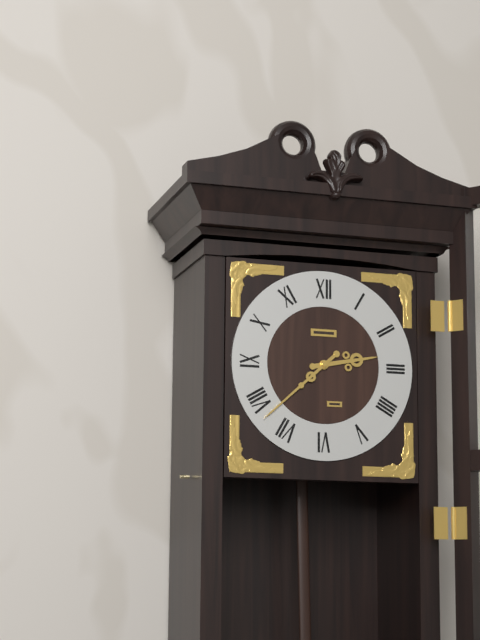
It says 2h38
